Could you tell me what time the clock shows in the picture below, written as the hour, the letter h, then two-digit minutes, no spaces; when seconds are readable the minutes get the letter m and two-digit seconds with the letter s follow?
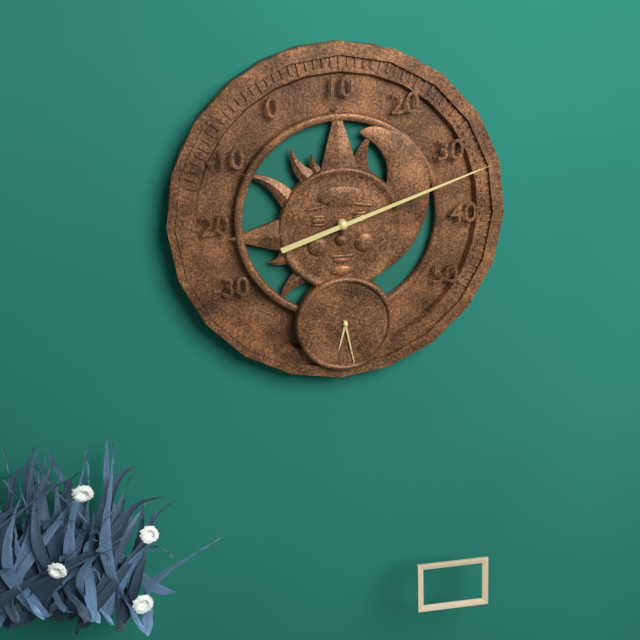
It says 6h28
